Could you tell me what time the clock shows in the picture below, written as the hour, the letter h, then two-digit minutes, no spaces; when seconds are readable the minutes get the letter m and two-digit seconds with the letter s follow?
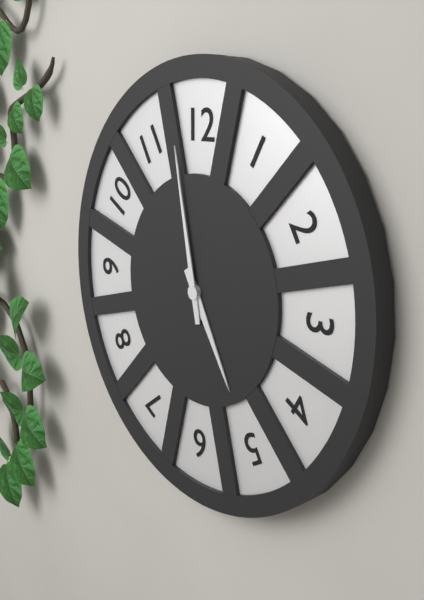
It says 4h58
